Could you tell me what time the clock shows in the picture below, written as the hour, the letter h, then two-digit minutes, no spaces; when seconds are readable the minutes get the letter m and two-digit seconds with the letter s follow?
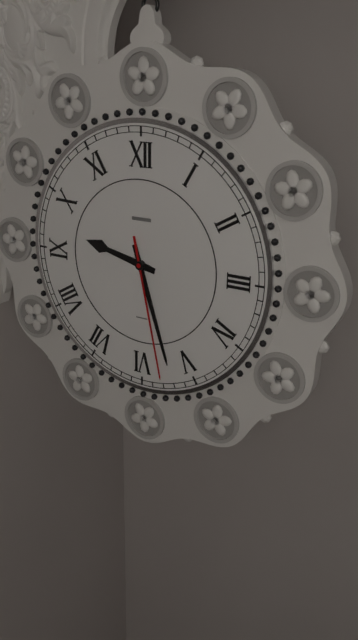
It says 9h27m28s
